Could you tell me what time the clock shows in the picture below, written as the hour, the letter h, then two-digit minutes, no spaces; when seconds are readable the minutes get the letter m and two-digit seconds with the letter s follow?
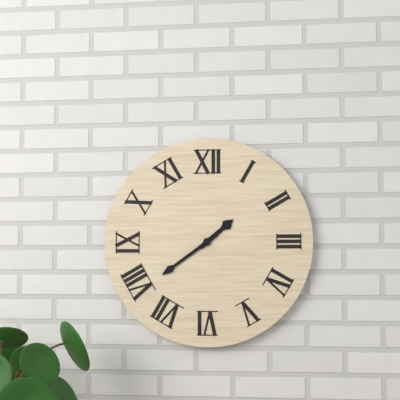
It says 1h39
